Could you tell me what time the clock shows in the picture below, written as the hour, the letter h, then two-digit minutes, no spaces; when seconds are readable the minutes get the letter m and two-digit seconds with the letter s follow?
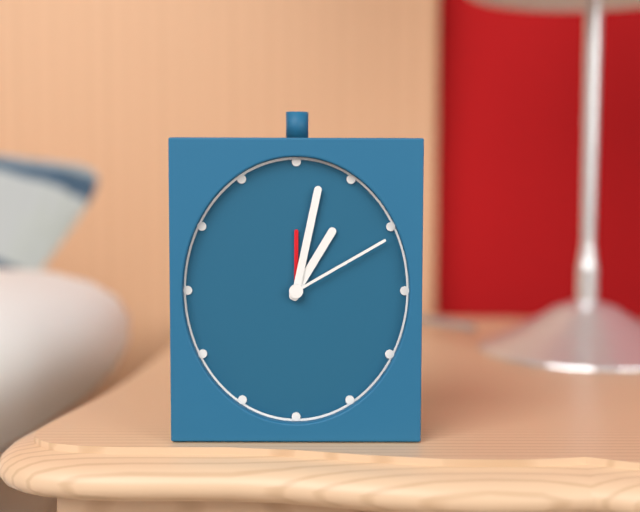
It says 1h02m10s
